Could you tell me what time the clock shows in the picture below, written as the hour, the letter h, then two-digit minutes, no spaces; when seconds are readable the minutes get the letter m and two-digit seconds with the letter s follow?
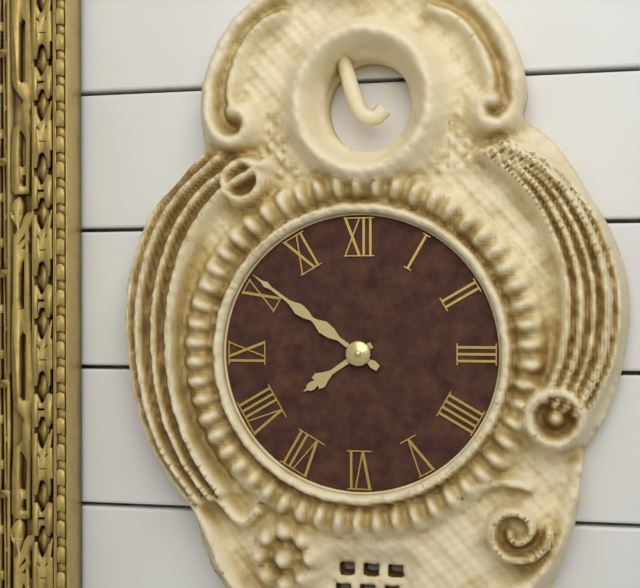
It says 7h51
